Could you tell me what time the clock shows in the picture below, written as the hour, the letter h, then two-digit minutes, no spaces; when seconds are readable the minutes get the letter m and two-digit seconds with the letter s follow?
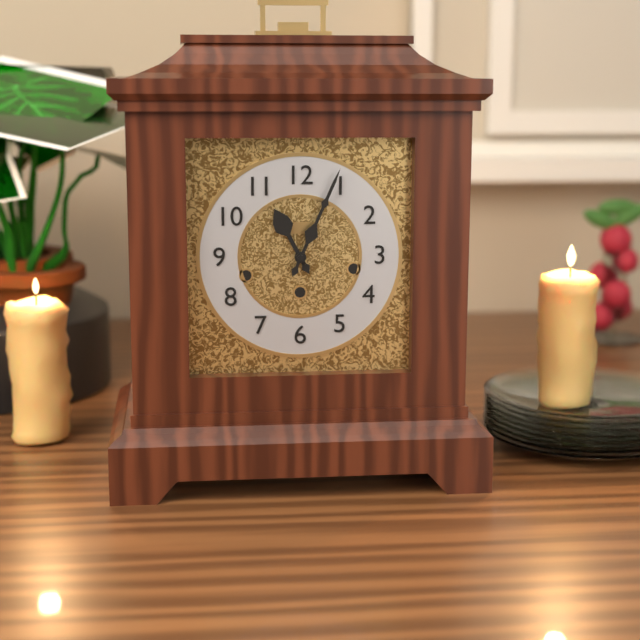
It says 11h04
